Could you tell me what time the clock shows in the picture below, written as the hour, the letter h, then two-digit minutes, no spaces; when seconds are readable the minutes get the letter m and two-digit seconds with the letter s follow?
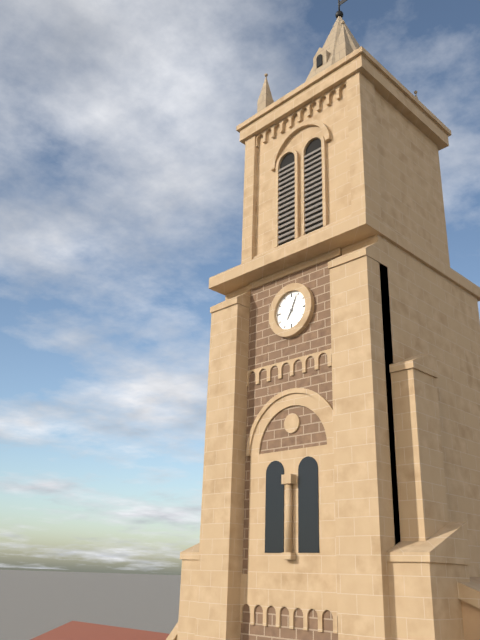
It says 7h04
